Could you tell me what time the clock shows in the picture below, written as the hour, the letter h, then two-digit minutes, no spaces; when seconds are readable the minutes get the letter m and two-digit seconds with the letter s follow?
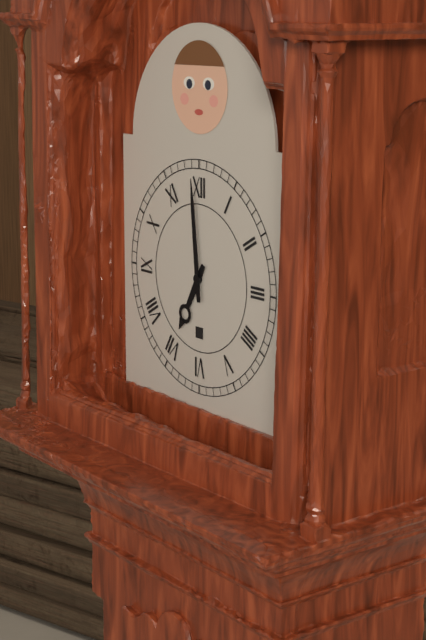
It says 6h59
